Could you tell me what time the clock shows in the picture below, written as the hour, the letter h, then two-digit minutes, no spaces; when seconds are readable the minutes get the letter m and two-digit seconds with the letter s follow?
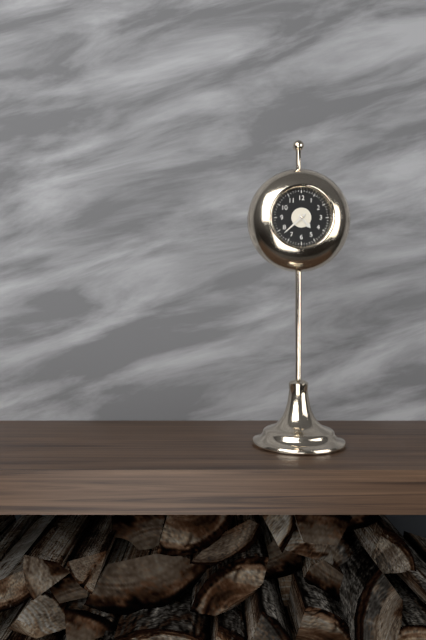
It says 4h38
